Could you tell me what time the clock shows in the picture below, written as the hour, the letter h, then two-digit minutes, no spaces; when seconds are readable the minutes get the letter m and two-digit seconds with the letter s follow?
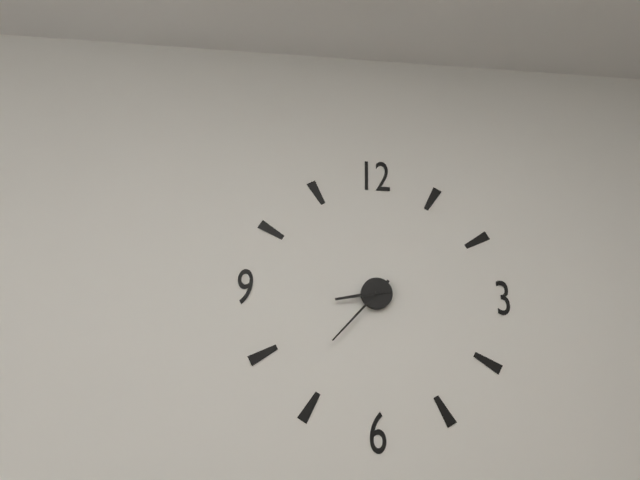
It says 8h37
